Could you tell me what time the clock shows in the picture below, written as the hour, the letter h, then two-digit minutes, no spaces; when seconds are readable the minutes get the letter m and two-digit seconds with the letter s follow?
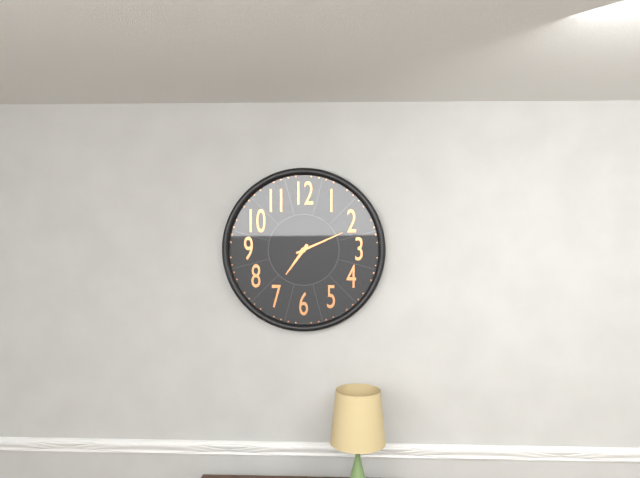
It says 7h11
